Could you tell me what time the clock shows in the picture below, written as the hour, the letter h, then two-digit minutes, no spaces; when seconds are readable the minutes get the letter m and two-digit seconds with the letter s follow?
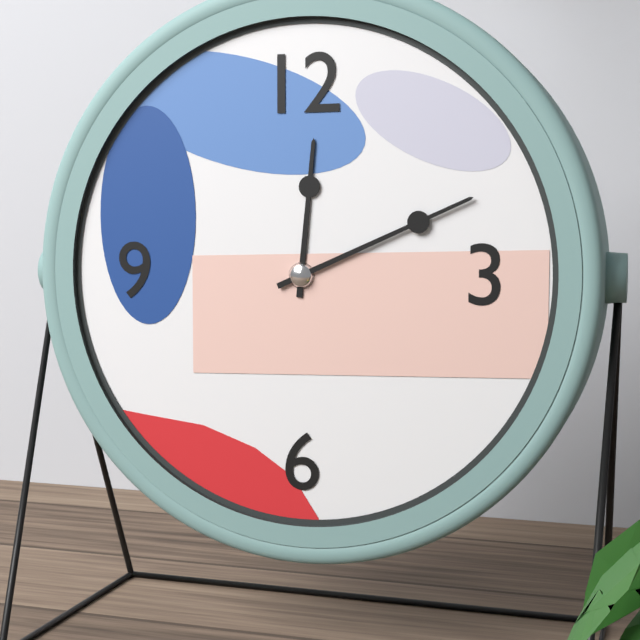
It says 12h11
